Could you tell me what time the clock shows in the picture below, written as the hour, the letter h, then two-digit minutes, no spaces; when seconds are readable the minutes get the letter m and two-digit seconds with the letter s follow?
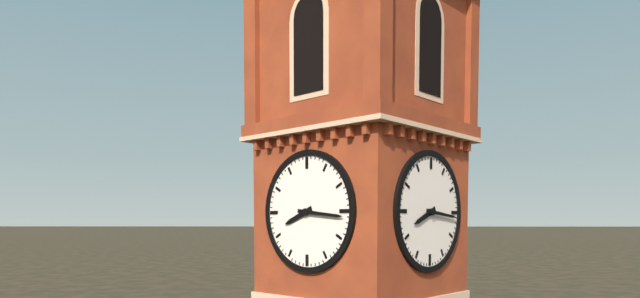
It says 8h16
